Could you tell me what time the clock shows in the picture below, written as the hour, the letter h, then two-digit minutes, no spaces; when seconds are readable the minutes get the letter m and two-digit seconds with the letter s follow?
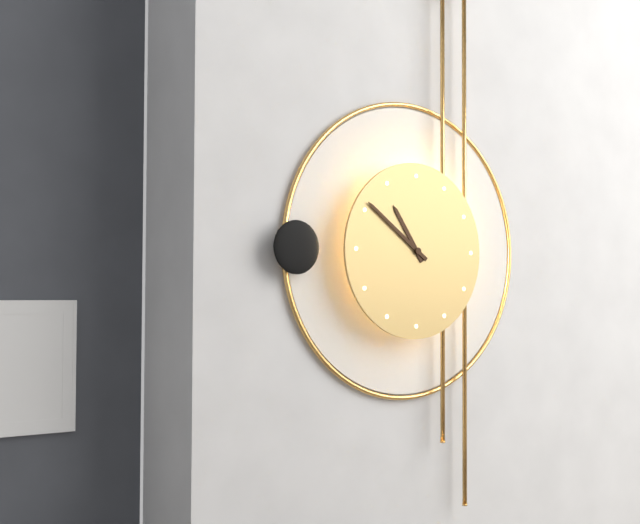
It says 10h51
